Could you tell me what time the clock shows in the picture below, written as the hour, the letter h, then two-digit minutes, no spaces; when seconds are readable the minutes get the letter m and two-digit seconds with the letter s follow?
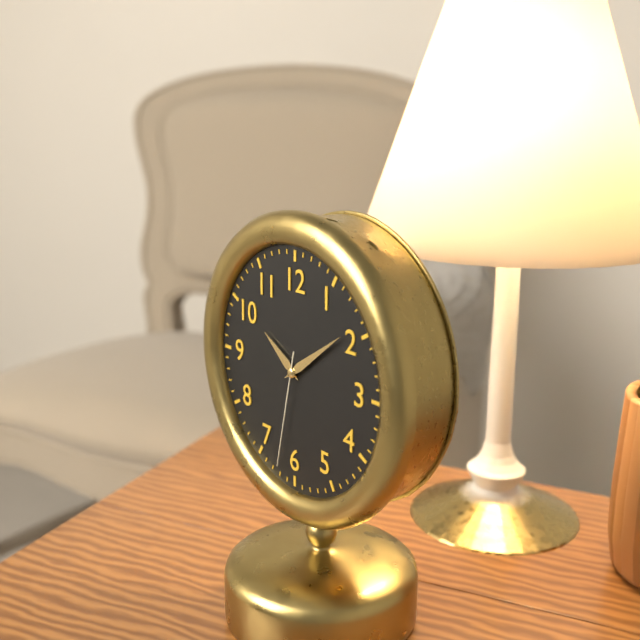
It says 10h09m32s
